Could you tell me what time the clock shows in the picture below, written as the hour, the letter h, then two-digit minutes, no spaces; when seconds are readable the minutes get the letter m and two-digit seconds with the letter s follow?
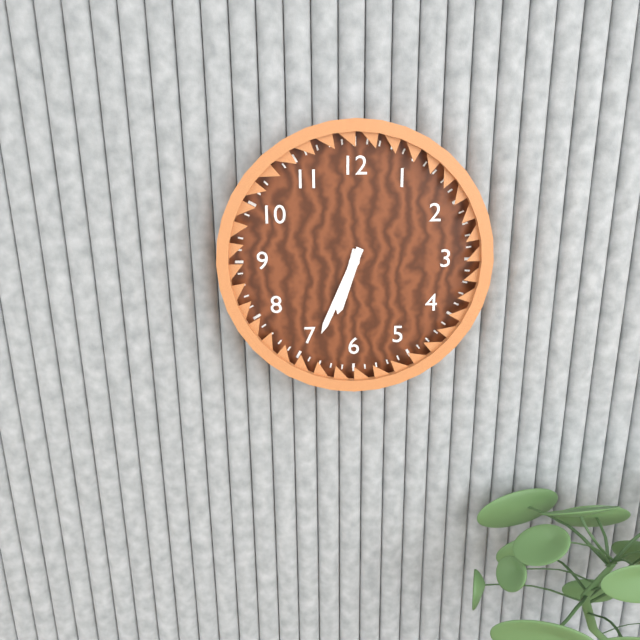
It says 6h34
